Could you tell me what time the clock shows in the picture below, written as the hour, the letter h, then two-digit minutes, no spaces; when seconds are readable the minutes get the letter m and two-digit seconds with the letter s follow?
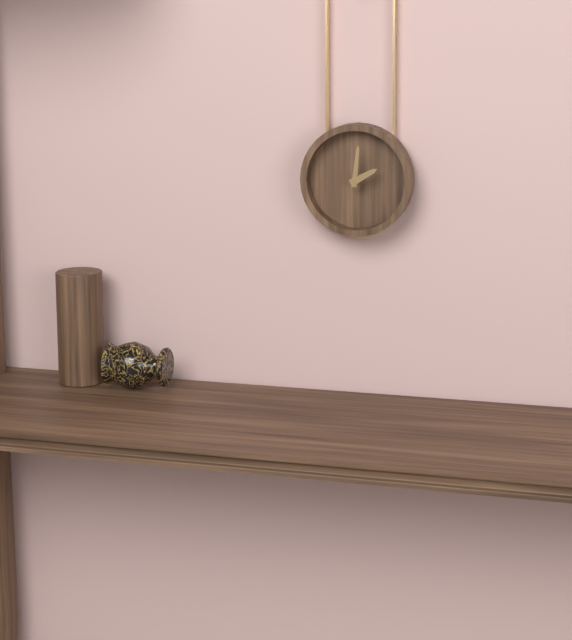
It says 2h01
